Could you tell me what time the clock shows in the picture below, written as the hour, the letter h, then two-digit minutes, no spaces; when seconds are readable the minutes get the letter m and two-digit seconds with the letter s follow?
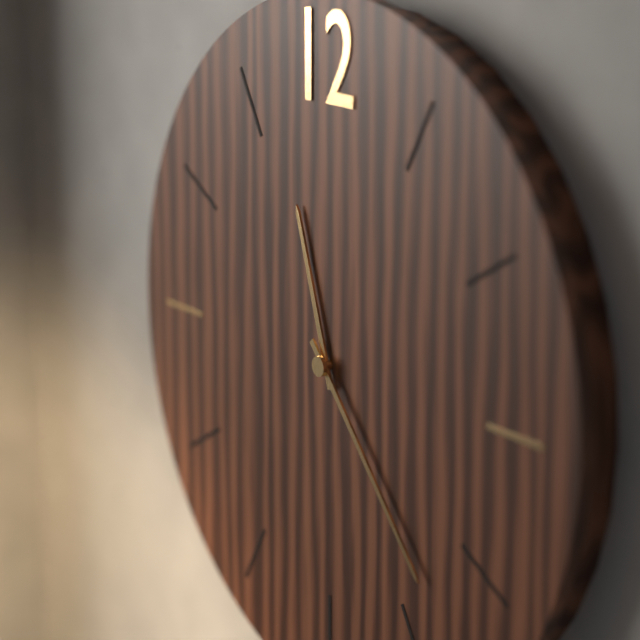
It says 11h23
